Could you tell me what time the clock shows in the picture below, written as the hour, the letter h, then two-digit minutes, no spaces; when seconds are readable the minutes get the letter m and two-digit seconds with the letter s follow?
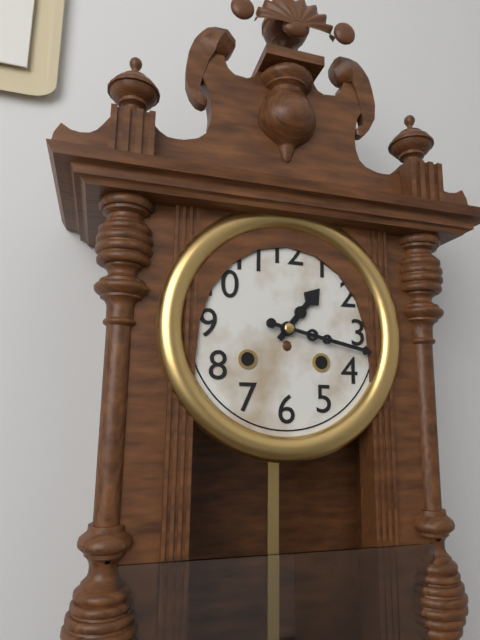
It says 1h17
